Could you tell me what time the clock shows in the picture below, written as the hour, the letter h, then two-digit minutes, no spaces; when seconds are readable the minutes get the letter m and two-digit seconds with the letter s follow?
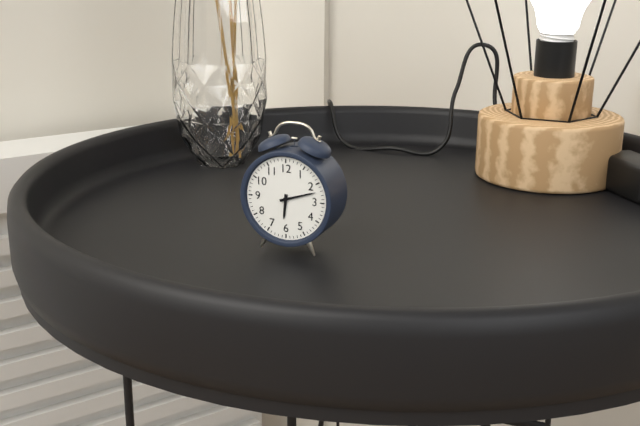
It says 6h12
